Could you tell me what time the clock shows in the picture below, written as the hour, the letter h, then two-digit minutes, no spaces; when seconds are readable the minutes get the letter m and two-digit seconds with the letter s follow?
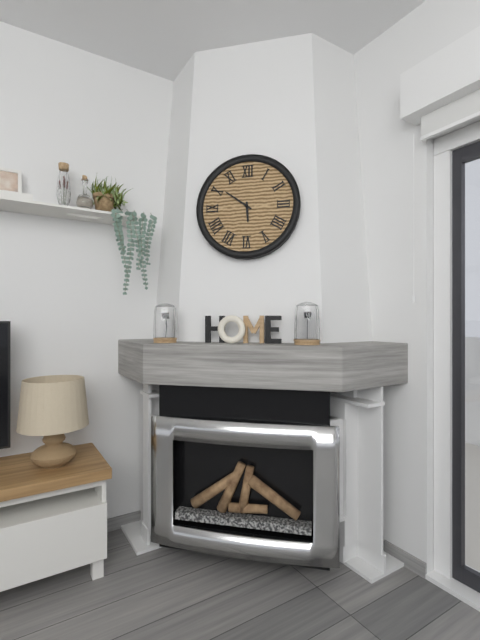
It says 5h51
